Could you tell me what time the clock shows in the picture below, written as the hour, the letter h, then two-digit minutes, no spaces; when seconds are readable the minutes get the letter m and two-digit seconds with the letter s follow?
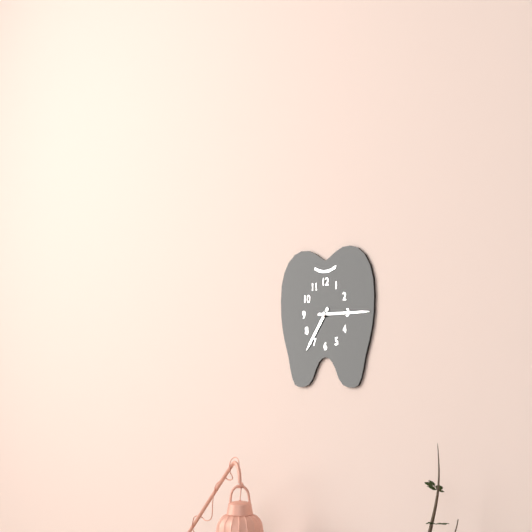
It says 7h15
